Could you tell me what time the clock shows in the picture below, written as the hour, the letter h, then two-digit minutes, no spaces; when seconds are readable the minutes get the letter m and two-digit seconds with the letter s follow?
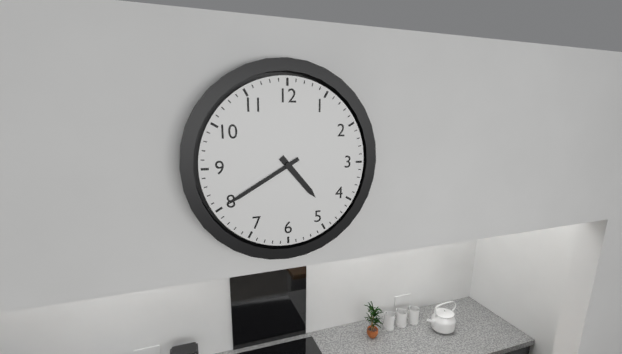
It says 4h40
